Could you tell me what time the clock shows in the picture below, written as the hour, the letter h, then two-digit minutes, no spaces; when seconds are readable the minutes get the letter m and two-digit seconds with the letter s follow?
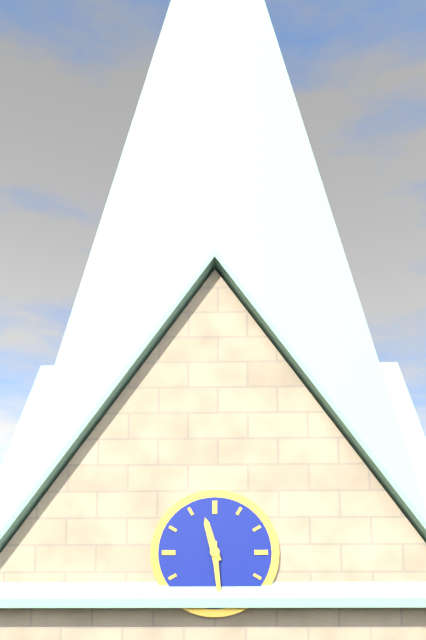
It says 11h29
